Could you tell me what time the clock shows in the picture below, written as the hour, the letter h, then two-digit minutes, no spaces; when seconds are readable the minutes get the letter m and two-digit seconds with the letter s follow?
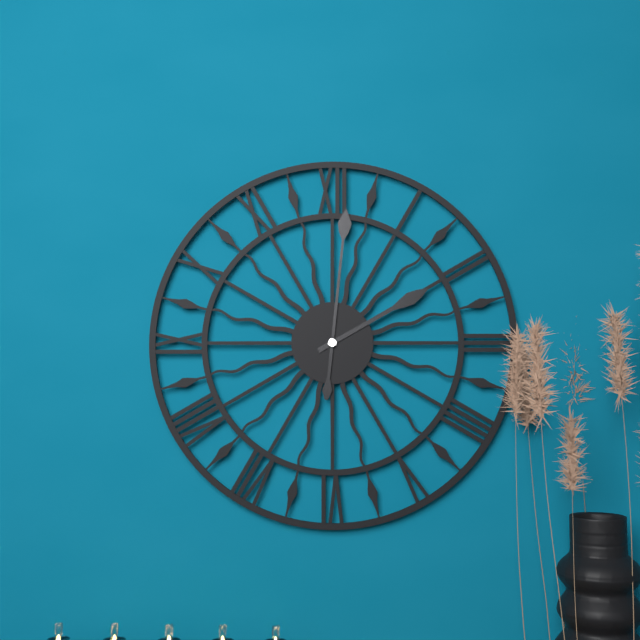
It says 2h01
